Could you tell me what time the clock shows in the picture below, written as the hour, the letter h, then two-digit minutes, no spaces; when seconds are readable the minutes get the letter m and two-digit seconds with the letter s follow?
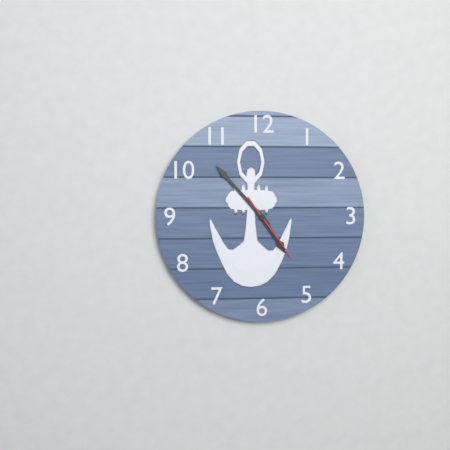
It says 4h53m24s
